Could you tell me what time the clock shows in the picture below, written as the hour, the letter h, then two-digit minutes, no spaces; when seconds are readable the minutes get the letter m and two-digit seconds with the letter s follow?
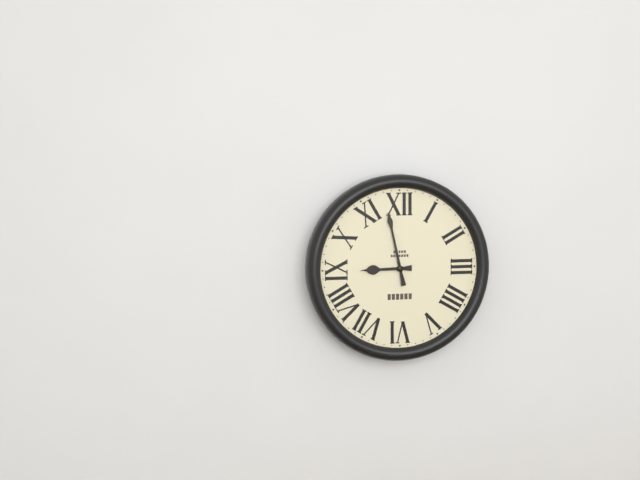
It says 8h58
